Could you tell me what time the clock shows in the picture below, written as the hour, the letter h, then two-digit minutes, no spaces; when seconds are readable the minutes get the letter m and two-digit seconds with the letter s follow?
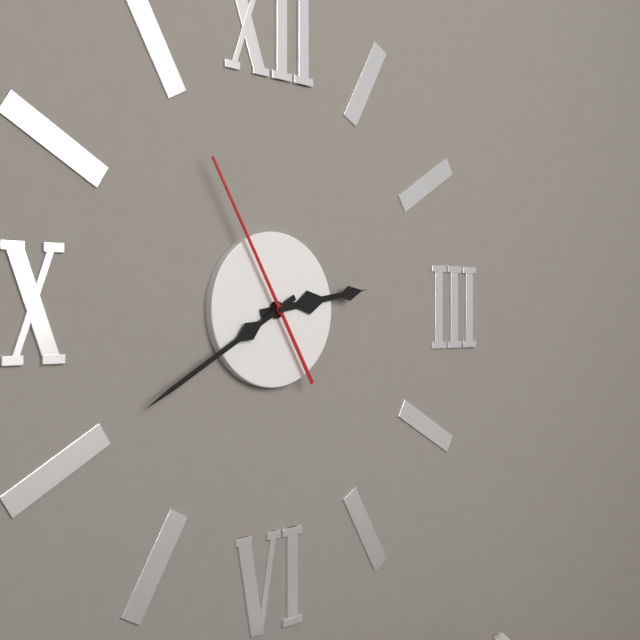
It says 2h40m55s
